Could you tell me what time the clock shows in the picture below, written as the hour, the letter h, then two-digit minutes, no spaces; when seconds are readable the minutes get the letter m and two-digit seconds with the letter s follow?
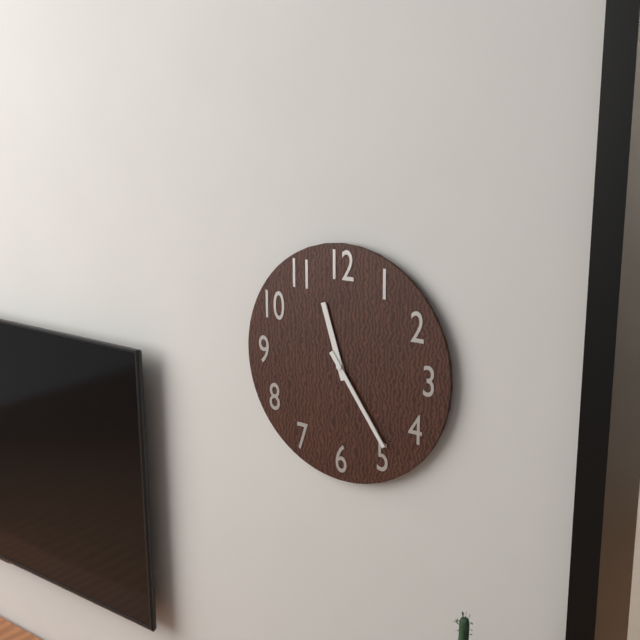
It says 11h24
